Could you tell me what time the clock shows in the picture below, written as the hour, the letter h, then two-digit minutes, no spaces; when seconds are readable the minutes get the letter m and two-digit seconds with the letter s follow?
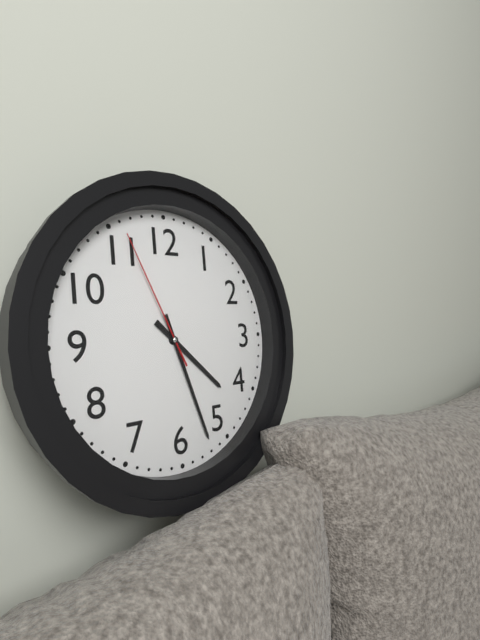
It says 4h27m56s
